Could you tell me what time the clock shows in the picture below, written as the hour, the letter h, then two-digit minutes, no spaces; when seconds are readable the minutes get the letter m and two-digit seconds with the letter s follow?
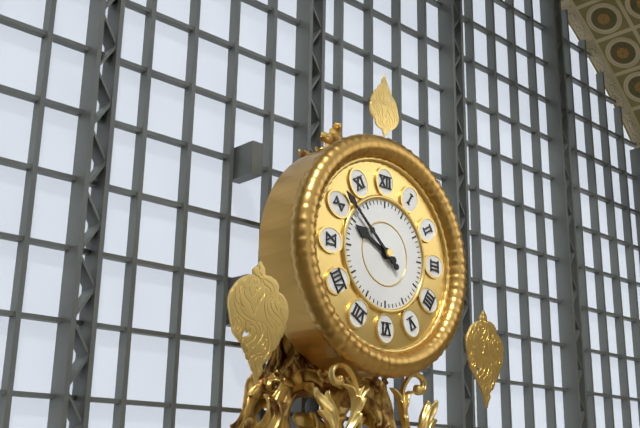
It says 9h52
